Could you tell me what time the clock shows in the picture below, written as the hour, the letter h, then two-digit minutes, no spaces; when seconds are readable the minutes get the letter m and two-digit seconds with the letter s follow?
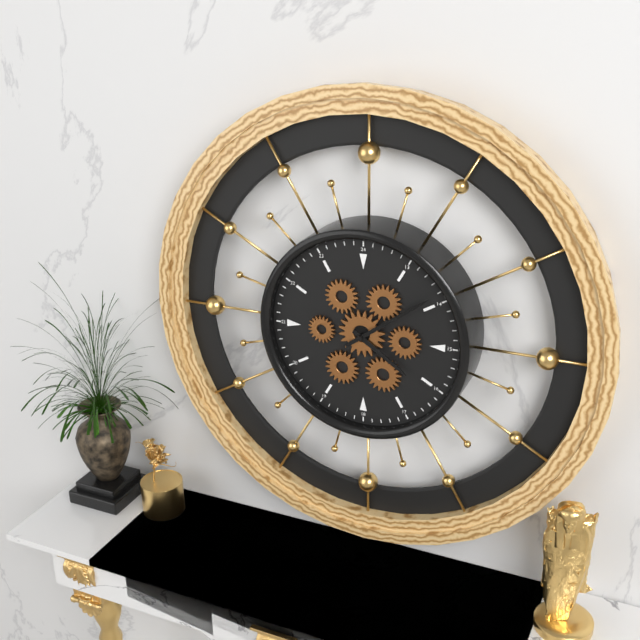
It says 4h09
